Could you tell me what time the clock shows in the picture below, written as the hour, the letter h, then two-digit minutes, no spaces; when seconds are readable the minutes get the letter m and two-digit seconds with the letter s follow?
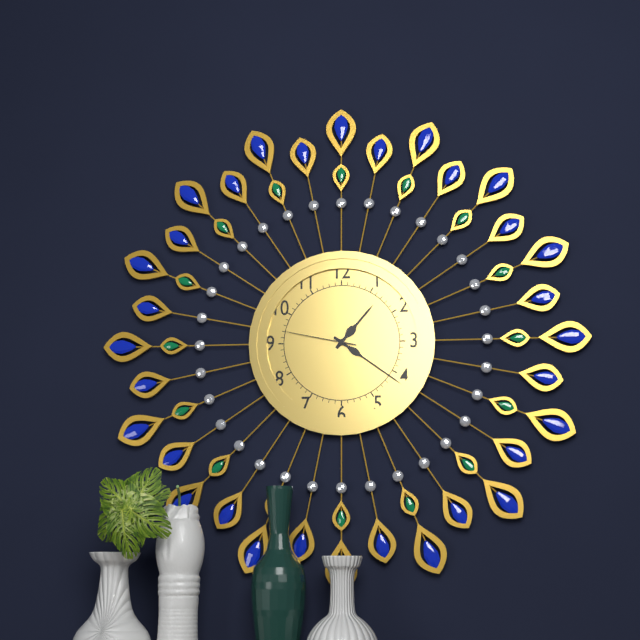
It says 1h21m47s
